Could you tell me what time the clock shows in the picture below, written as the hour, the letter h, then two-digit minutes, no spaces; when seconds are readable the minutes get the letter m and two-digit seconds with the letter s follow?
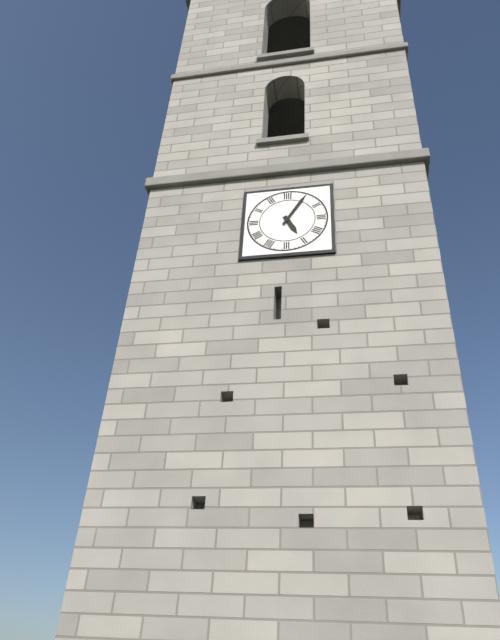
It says 5h05
